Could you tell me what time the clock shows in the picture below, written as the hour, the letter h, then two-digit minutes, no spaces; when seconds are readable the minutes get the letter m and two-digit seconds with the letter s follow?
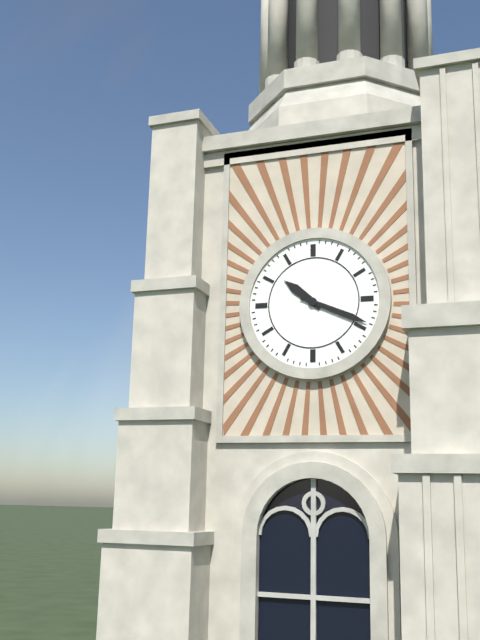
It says 10h19
